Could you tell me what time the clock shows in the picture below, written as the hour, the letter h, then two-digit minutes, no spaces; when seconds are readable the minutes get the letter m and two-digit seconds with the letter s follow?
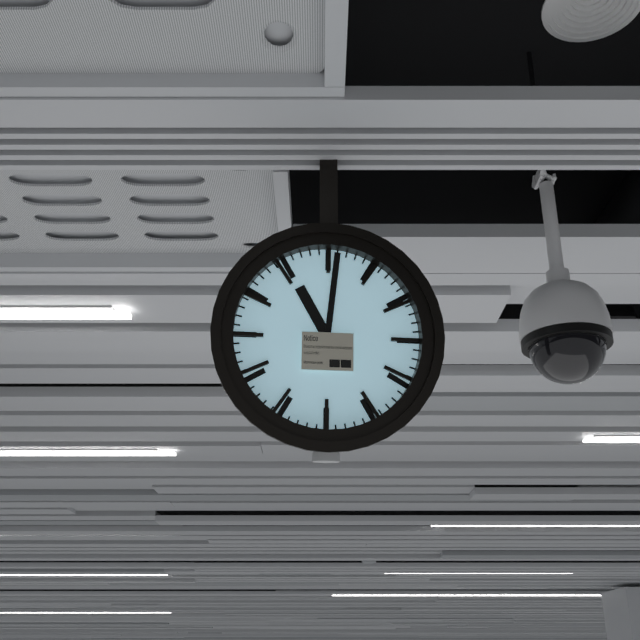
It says 11h01
